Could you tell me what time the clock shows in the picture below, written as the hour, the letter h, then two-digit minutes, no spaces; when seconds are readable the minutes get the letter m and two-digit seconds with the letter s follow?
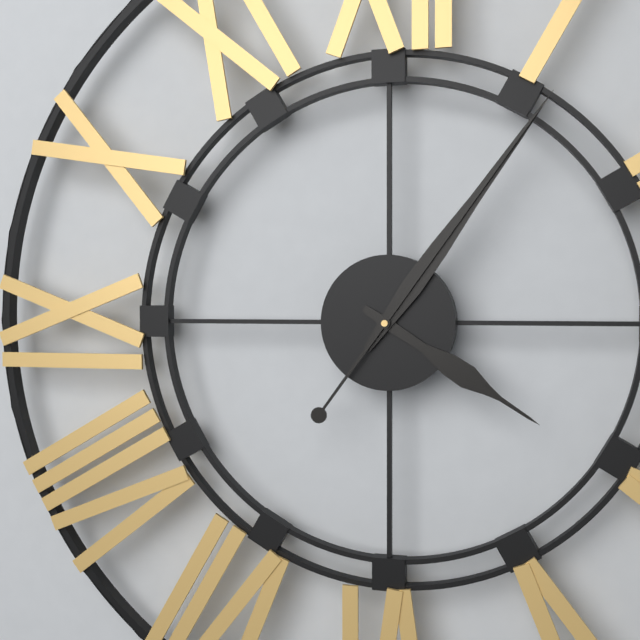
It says 4h06m06s
